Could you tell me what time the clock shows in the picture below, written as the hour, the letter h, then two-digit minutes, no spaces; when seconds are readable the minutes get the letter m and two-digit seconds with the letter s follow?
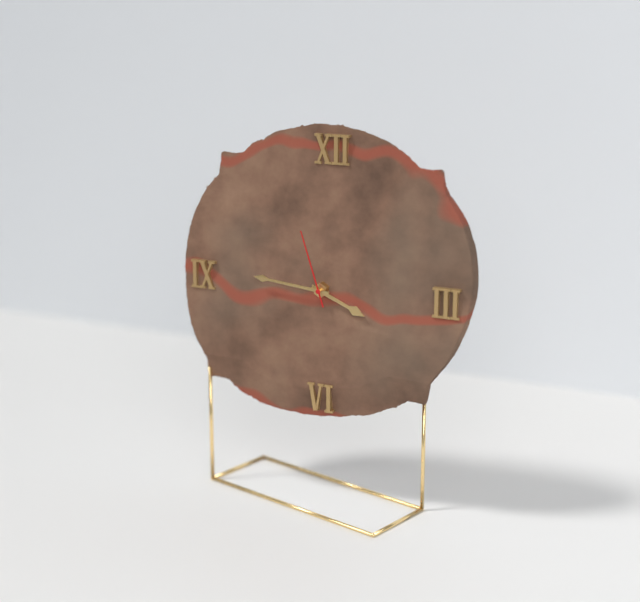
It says 3h46m57s
